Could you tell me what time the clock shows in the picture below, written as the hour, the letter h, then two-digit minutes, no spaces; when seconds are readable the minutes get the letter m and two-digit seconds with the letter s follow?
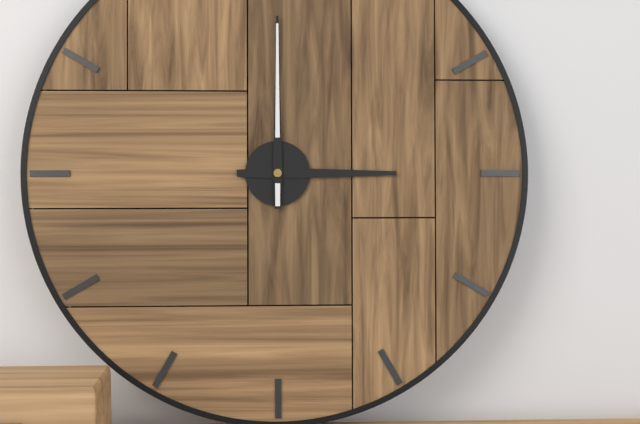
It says 3h00
